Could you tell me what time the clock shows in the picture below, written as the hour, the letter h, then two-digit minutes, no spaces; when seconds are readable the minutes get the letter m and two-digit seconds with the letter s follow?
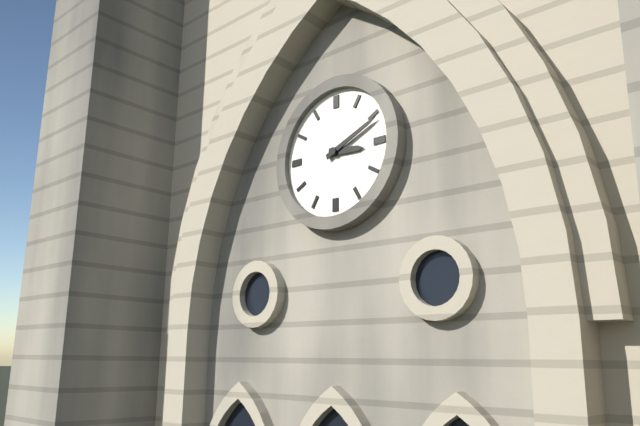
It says 3h11
